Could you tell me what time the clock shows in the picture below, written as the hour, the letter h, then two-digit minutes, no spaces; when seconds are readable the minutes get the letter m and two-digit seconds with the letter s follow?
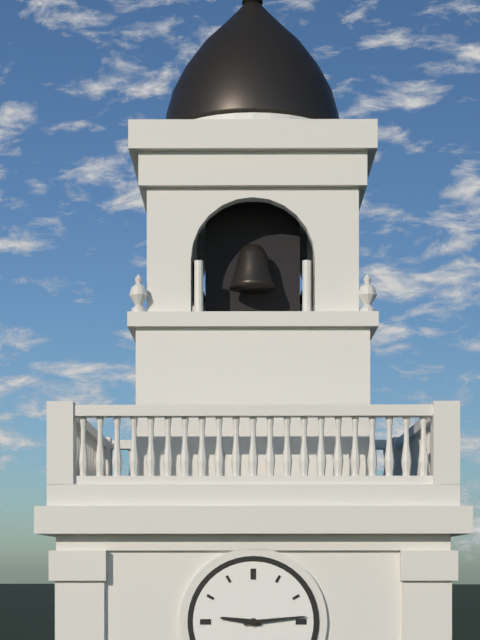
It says 9h14
